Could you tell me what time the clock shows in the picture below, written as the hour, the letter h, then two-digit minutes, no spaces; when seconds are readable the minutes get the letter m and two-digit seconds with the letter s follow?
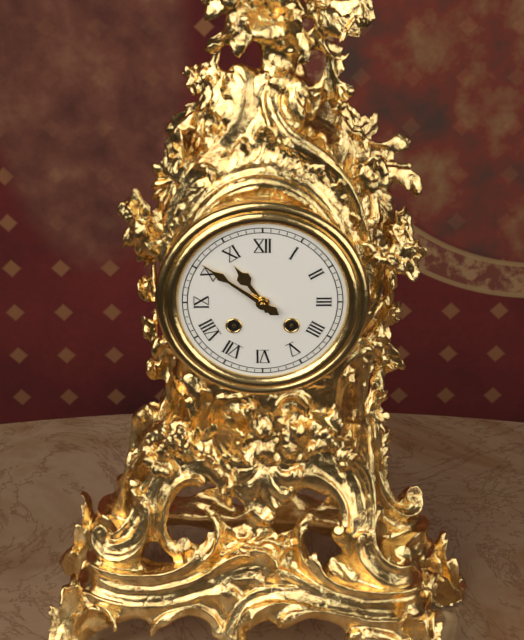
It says 10h51
